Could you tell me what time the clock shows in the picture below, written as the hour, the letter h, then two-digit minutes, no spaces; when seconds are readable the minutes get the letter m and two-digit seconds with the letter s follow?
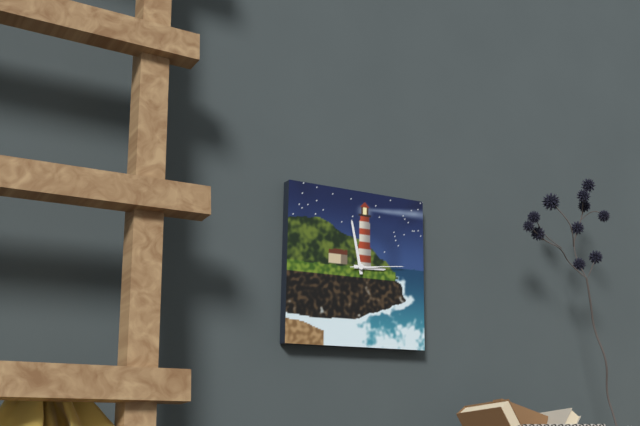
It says 2h58m14s
